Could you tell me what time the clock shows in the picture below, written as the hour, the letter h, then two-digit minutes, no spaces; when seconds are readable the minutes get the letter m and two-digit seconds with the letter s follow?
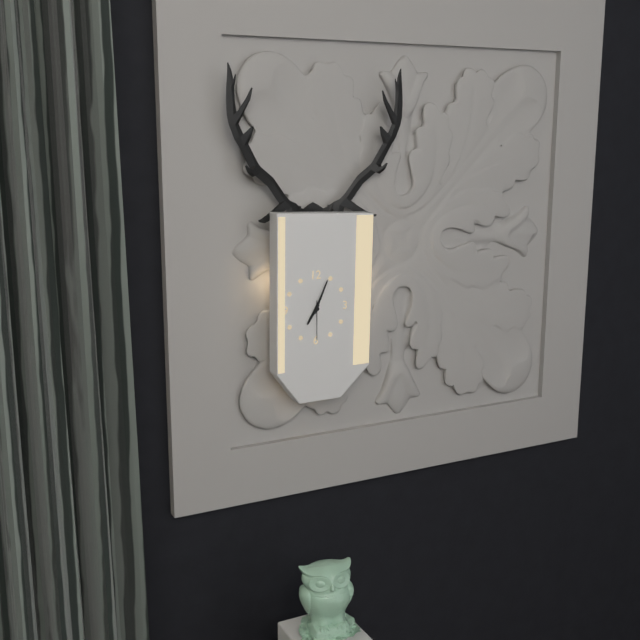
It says 7h04
